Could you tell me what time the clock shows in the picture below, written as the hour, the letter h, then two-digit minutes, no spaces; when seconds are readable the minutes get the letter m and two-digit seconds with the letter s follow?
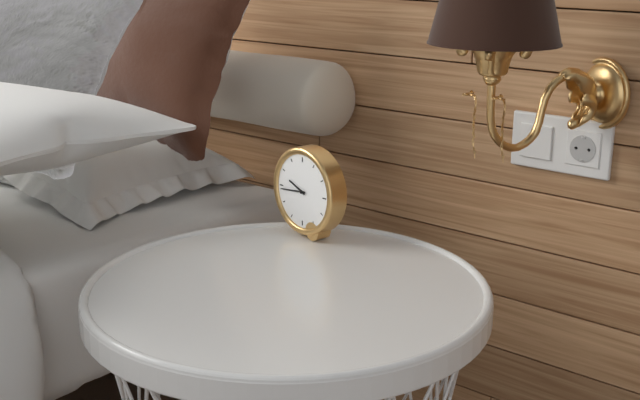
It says 9h44
